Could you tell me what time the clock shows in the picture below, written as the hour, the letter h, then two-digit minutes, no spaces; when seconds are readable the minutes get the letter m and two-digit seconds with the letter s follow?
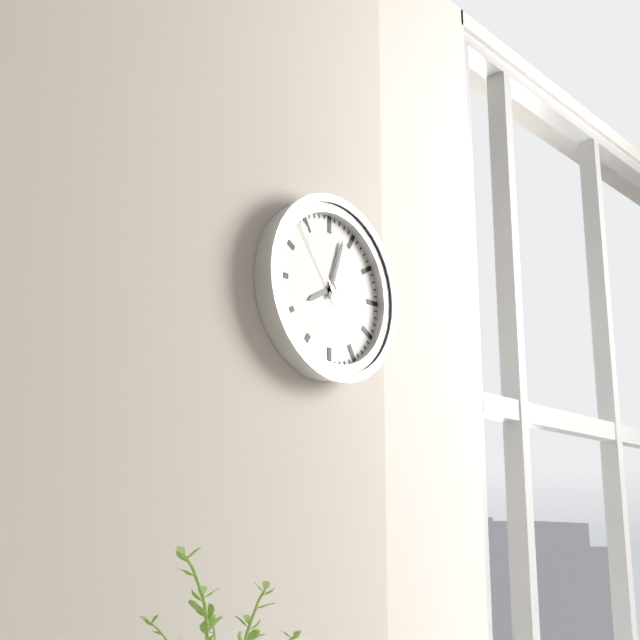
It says 8h03m54s
